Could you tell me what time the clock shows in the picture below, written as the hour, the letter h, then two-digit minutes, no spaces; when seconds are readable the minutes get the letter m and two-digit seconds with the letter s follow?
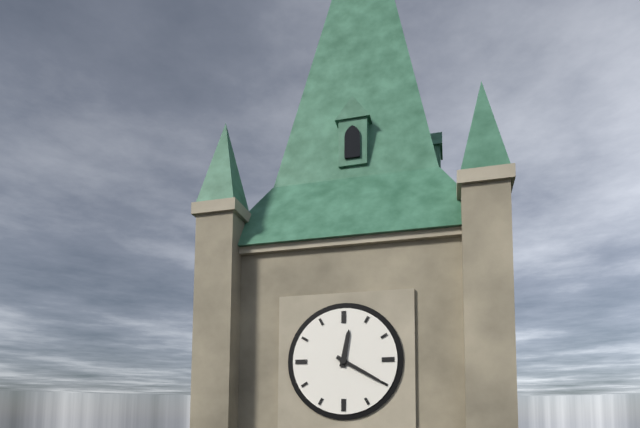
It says 12h20
